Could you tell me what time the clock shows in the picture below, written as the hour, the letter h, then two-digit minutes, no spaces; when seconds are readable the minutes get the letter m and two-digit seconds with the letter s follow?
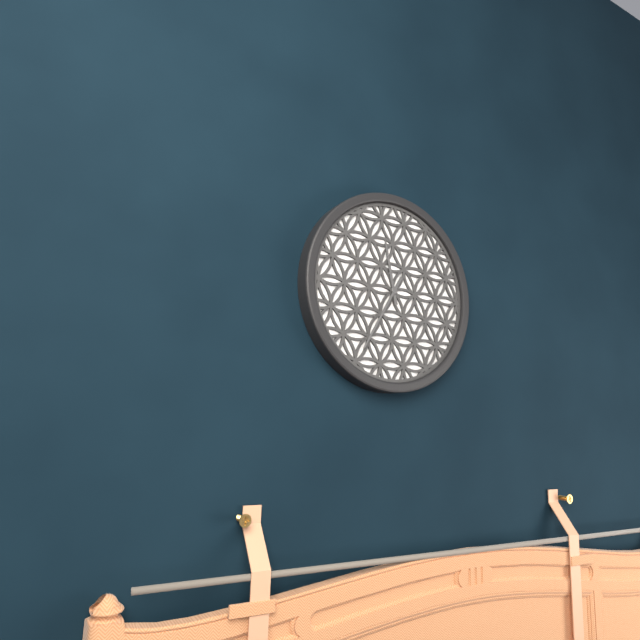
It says 11h35
